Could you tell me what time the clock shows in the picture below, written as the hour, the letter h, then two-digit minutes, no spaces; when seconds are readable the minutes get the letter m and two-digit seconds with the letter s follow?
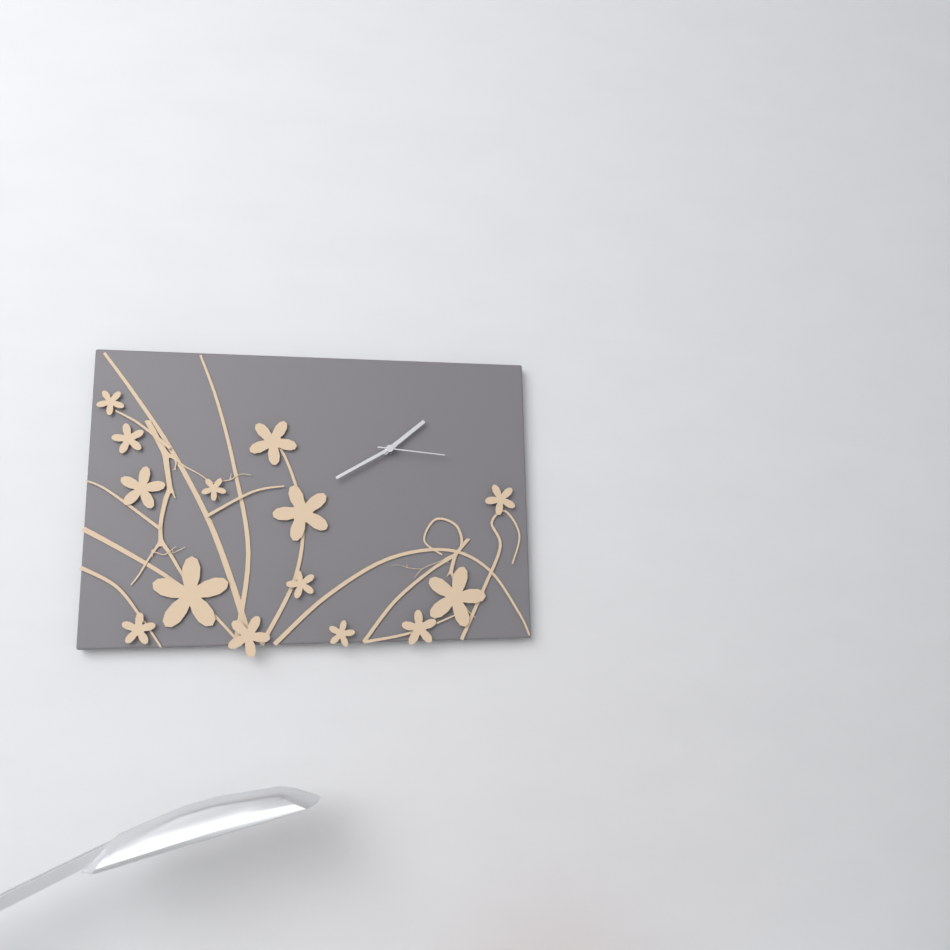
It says 1h40m16s
